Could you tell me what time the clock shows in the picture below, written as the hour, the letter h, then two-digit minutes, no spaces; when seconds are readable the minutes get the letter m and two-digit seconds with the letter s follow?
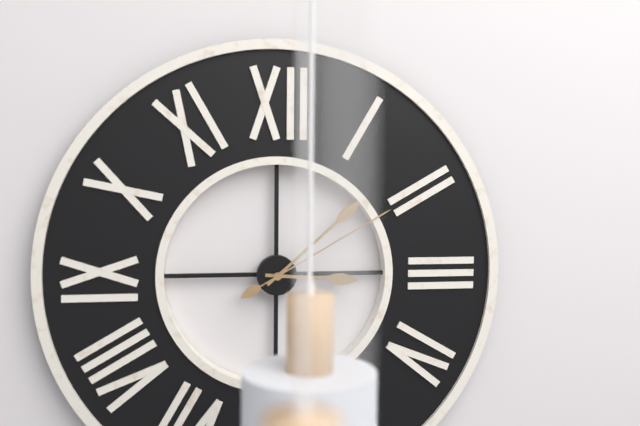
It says 3h08m10s
